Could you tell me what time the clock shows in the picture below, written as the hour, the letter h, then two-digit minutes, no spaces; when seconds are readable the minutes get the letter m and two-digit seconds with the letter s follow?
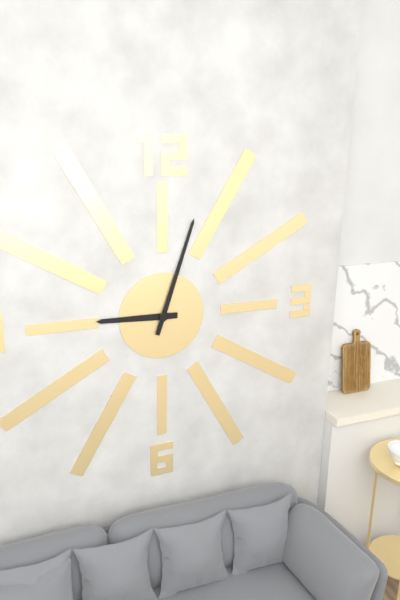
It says 9h03
